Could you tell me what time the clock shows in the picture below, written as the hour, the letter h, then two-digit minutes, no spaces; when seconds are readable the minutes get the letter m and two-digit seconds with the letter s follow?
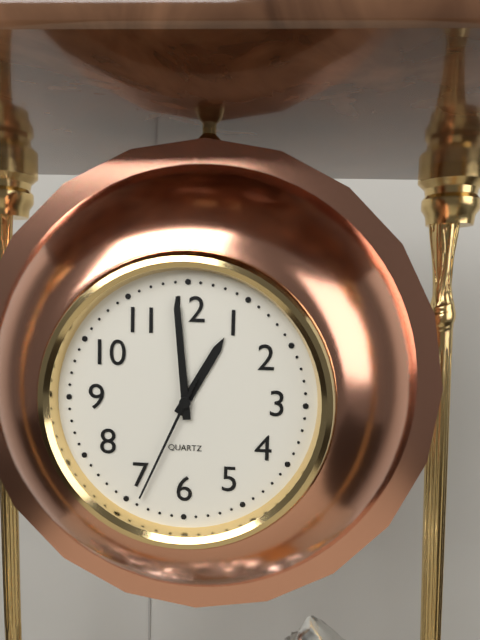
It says 12h59m34s
